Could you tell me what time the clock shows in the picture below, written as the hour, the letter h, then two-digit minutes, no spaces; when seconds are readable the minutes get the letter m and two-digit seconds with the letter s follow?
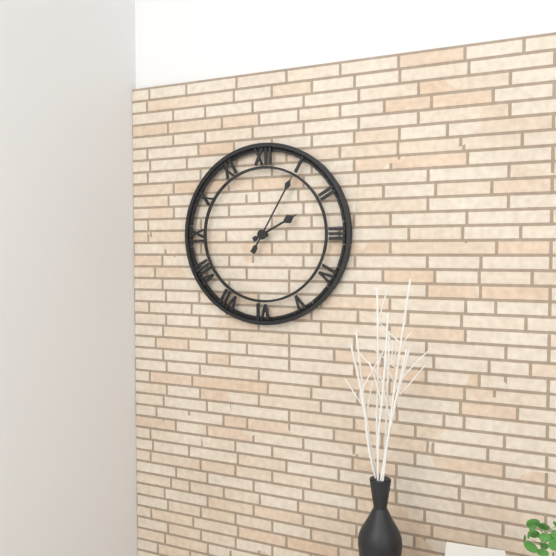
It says 2h05
